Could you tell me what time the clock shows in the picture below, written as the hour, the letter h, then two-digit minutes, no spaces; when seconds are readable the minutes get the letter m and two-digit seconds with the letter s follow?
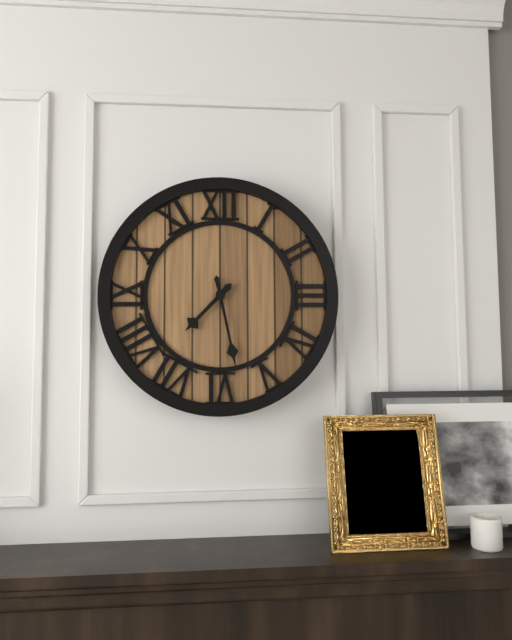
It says 7h28
